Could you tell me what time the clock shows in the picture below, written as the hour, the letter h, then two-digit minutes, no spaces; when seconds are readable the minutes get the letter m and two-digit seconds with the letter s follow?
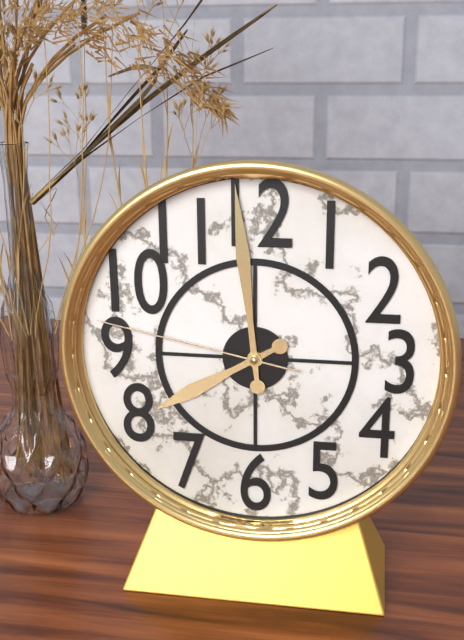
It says 7h59m47s
